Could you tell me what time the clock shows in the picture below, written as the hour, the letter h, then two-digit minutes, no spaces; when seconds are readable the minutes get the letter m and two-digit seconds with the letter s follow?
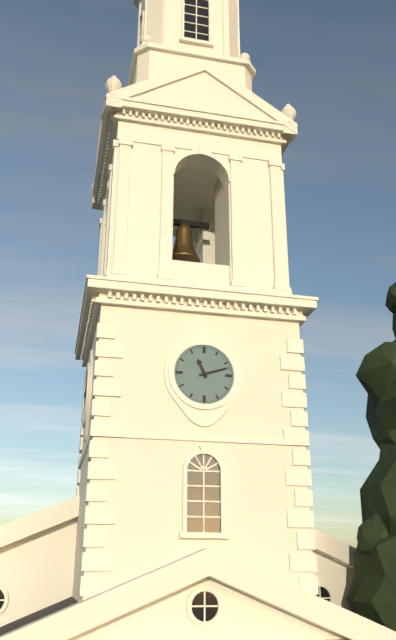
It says 11h12
